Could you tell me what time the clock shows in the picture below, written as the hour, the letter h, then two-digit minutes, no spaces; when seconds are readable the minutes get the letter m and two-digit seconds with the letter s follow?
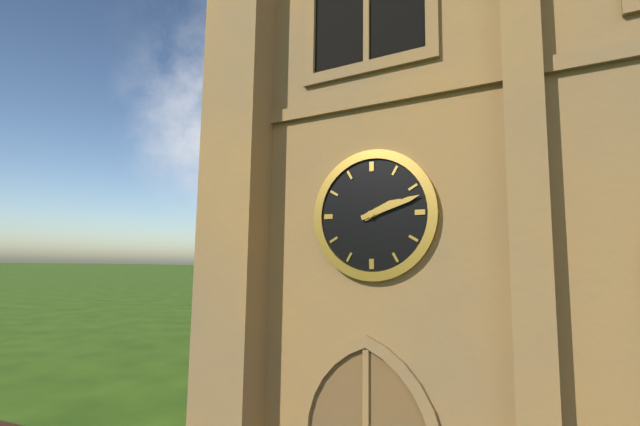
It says 2h12
